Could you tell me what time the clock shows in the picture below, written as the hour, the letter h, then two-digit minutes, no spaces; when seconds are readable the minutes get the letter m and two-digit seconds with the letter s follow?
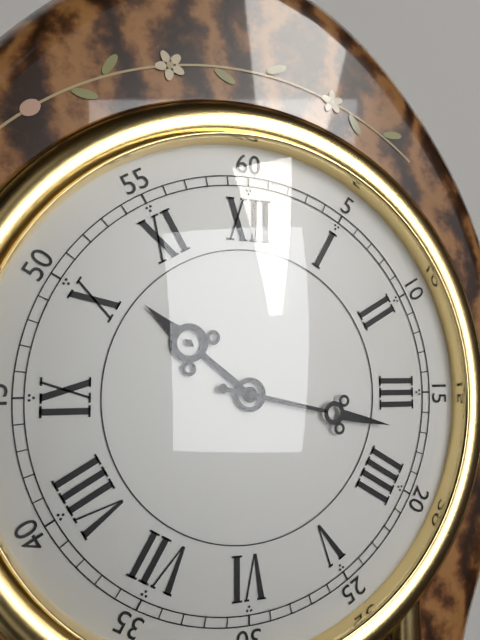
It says 10h17
